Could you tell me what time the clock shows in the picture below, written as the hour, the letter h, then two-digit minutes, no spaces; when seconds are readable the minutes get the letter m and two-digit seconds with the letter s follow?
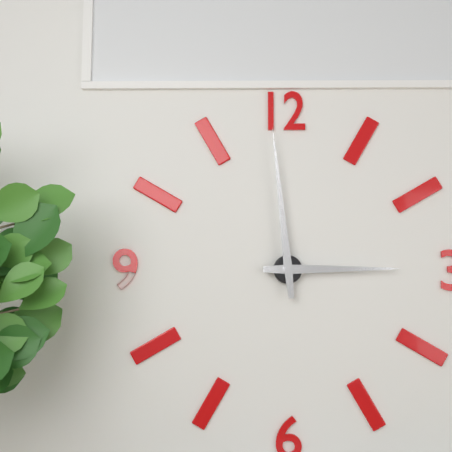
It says 2h59
